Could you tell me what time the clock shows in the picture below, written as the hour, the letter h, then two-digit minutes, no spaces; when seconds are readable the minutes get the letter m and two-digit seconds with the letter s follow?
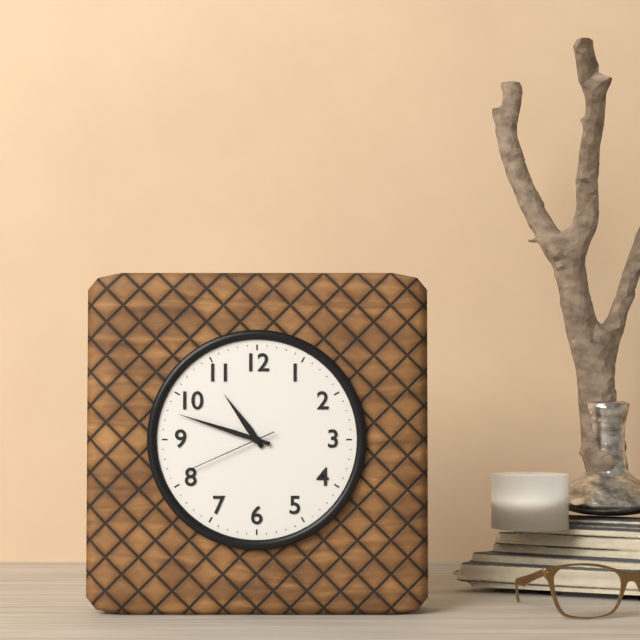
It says 10h48m41s
